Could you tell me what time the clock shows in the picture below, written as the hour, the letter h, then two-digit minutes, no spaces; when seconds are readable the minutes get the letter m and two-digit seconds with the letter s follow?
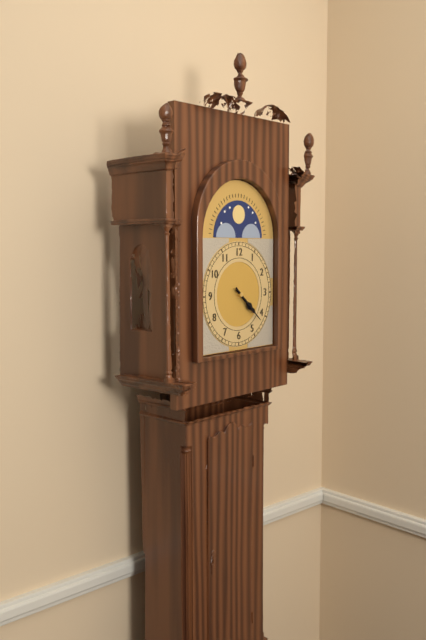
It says 4h22
